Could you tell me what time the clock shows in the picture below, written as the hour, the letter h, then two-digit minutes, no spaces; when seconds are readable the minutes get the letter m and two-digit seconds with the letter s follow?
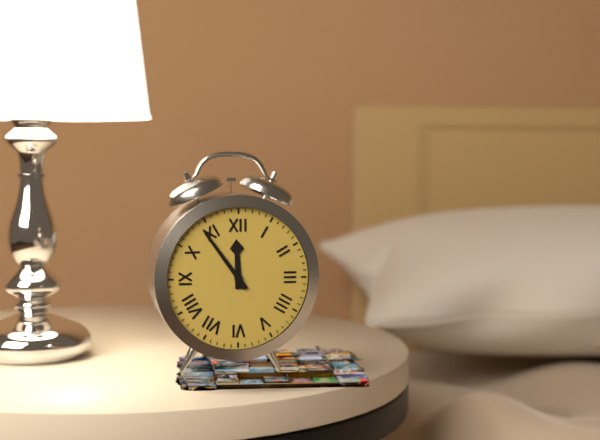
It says 11h54
